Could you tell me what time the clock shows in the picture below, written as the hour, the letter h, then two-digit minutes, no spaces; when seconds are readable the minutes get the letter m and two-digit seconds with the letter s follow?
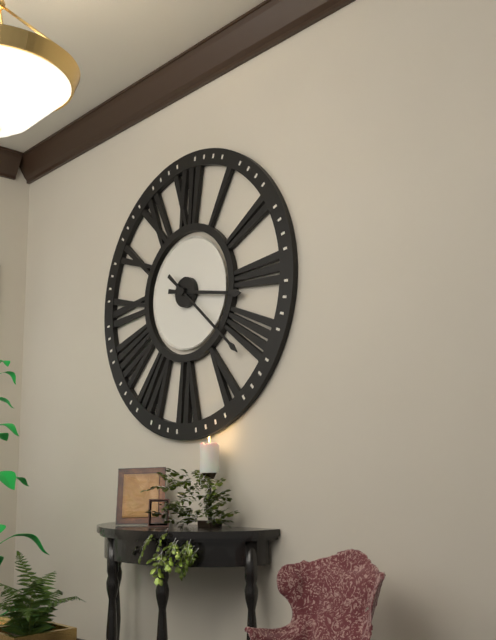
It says 3h22
